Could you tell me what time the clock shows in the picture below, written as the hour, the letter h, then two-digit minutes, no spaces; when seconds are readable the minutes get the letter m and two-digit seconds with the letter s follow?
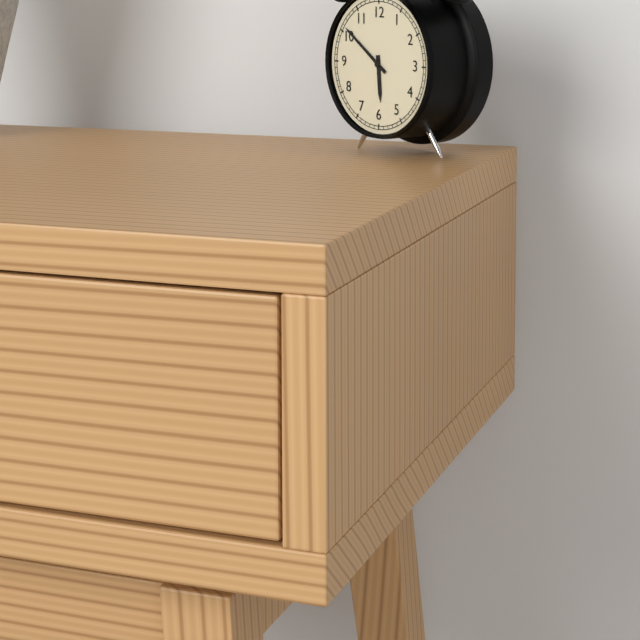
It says 5h51
